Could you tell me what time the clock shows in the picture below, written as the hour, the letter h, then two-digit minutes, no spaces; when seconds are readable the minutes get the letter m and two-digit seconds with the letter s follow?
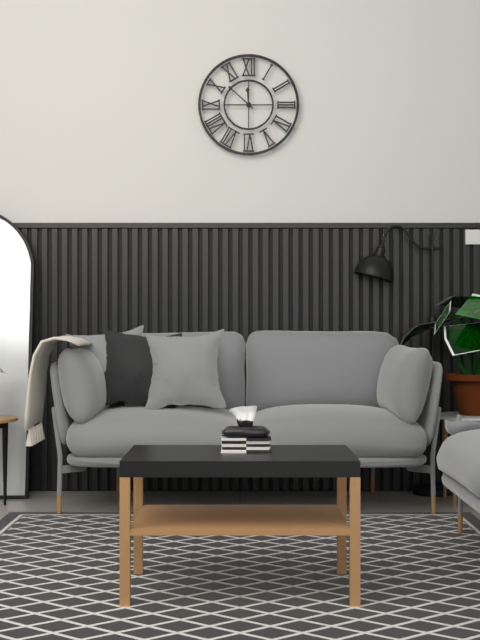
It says 11h52
